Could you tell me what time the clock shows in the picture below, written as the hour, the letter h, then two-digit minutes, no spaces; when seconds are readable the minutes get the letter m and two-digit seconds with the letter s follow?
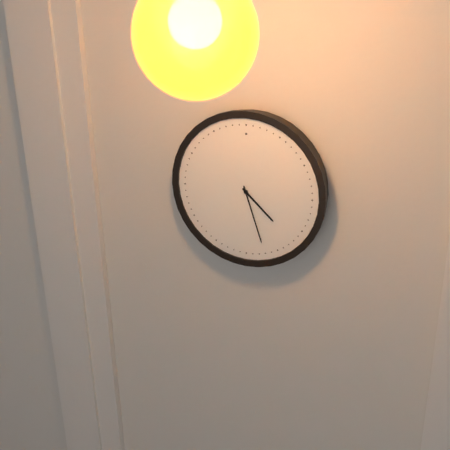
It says 4h27
